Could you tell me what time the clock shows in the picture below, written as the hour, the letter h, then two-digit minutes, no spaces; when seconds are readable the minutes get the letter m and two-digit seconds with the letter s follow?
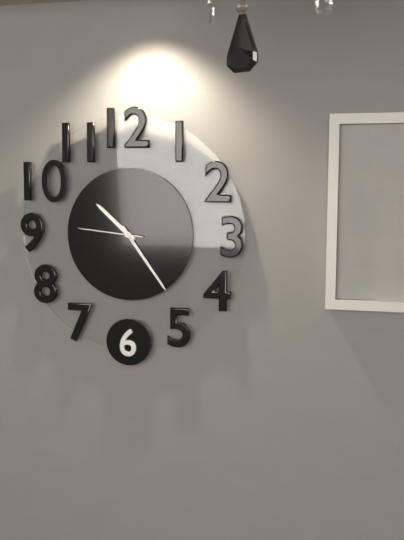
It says 10h24m46s
